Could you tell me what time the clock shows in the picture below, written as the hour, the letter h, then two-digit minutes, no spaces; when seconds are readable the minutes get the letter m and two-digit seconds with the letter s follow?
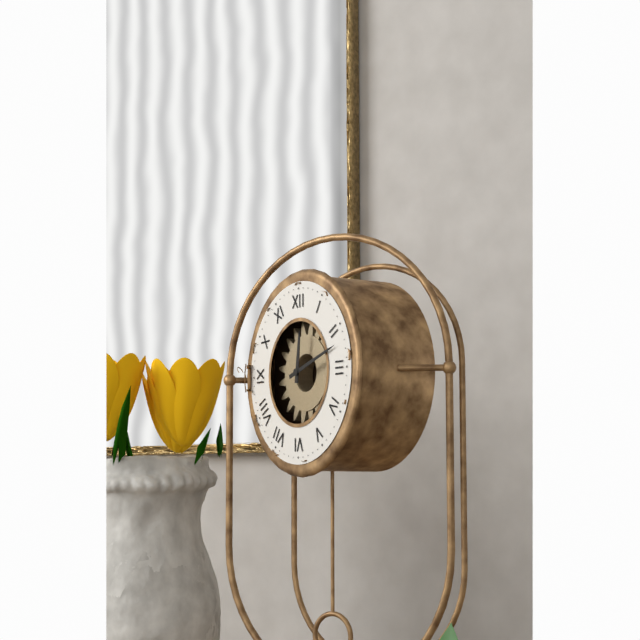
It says 12h12
